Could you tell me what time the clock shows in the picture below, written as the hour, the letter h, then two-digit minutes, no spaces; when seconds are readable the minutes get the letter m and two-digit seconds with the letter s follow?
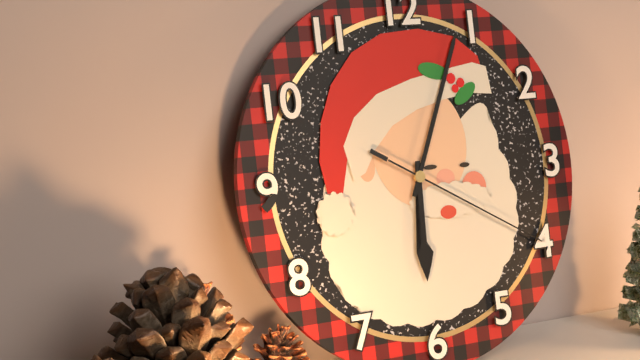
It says 6h04m20s
